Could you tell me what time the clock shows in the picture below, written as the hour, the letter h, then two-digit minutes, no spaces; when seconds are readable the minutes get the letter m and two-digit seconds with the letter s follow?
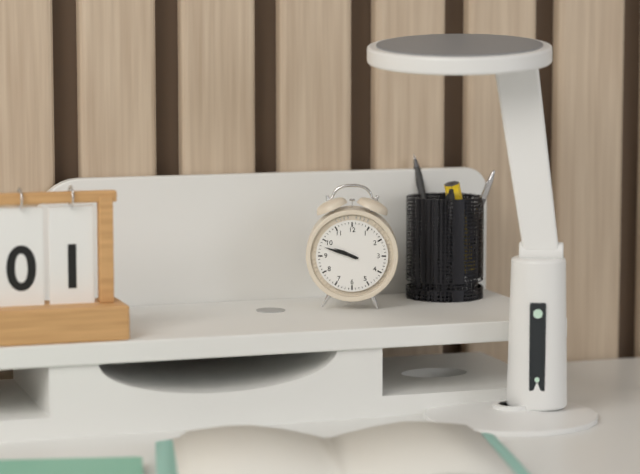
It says 9h48
